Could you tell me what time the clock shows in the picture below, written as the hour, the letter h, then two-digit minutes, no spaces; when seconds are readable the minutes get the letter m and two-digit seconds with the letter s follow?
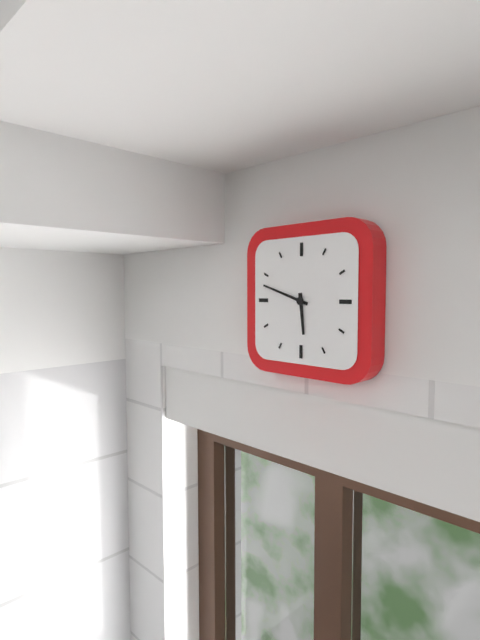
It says 5h48
